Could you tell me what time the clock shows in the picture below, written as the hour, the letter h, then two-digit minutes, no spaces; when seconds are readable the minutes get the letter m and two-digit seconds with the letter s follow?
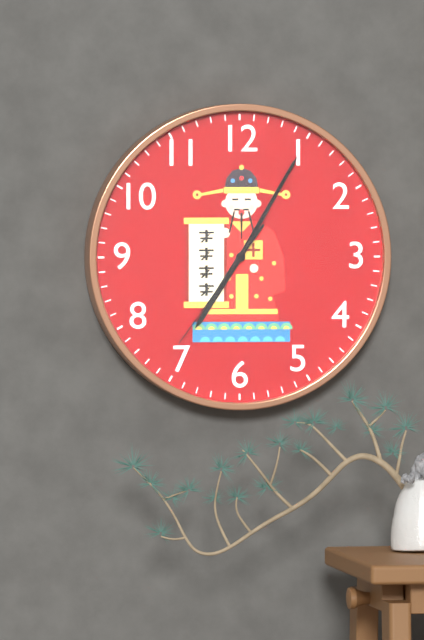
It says 7h05m36s
